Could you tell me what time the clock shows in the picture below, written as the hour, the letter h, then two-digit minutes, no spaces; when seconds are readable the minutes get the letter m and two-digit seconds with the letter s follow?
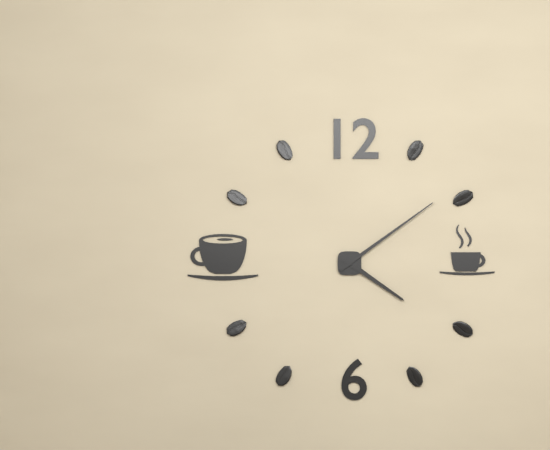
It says 4h09
